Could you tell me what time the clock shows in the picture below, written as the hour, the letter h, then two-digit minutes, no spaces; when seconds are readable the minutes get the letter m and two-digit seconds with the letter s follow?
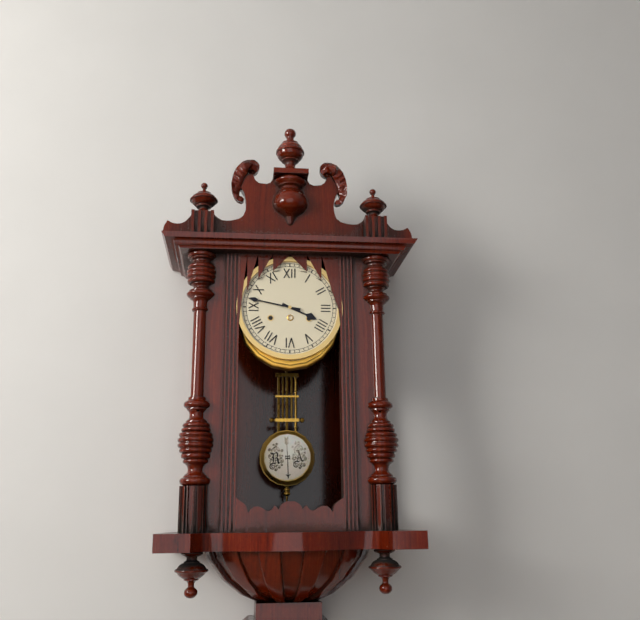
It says 3h47
